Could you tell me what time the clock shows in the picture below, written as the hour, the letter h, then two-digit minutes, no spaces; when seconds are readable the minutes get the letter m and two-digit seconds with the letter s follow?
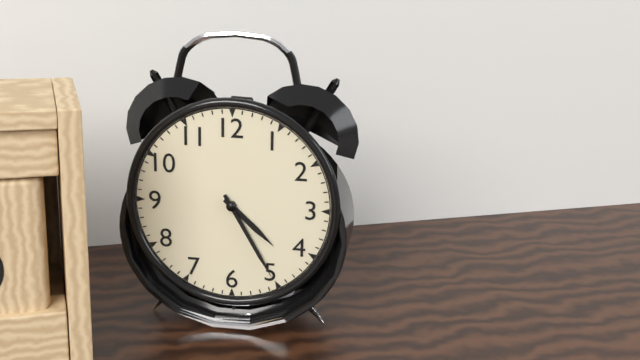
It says 4h25
